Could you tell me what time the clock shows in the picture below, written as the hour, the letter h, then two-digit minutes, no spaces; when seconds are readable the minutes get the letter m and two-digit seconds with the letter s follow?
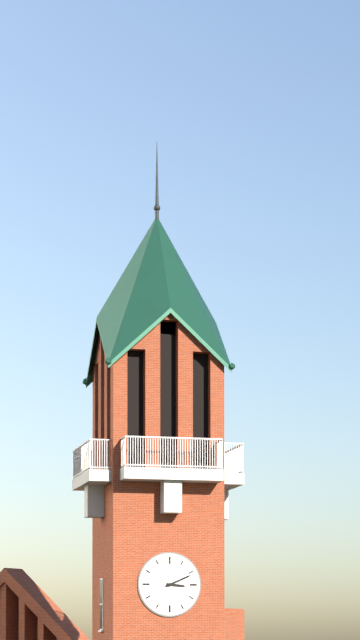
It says 3h11
